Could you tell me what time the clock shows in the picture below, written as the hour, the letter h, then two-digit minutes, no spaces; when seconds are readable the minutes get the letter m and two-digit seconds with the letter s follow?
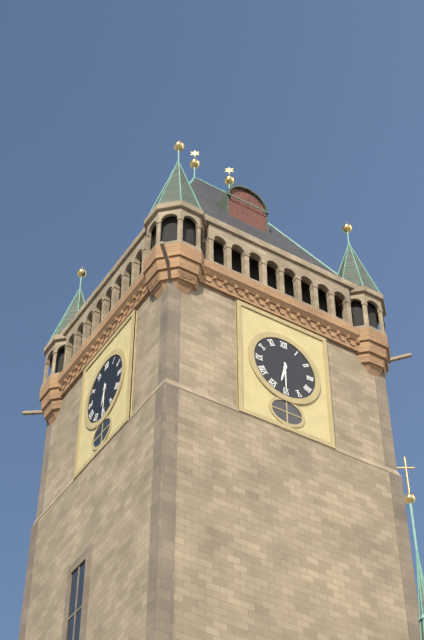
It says 6h30
